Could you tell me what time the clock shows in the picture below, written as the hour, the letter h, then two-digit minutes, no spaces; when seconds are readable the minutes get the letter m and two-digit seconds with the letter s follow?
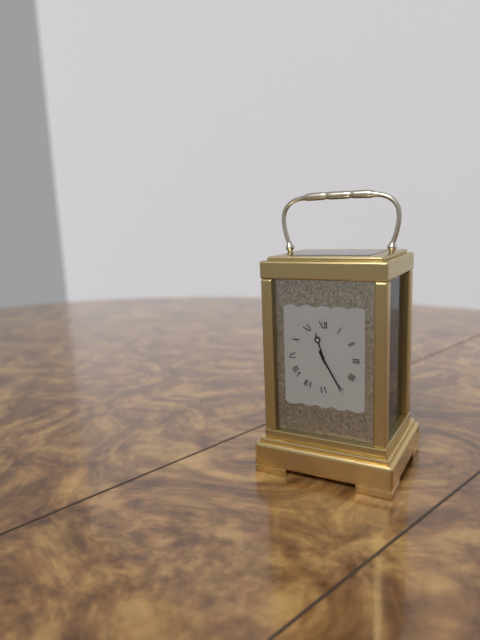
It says 11h25
